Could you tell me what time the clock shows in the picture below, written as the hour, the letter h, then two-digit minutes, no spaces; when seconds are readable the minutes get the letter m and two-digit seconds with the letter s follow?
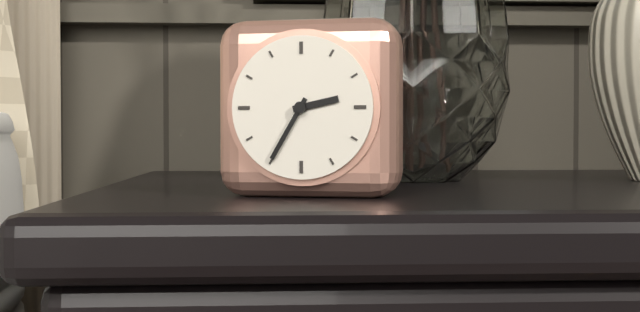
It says 2h35
